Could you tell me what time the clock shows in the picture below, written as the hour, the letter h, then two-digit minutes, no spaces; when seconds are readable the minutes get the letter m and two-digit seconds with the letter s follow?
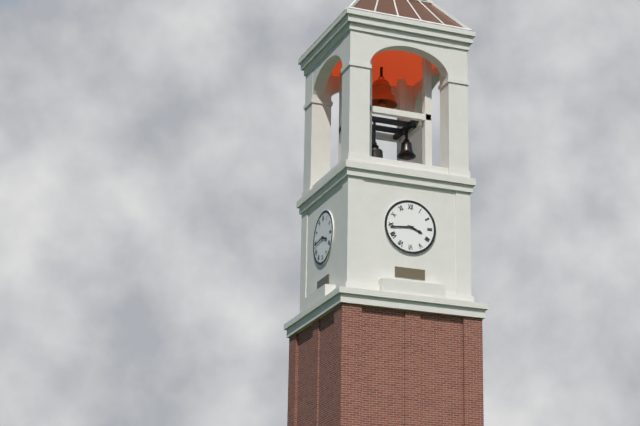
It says 3h44
